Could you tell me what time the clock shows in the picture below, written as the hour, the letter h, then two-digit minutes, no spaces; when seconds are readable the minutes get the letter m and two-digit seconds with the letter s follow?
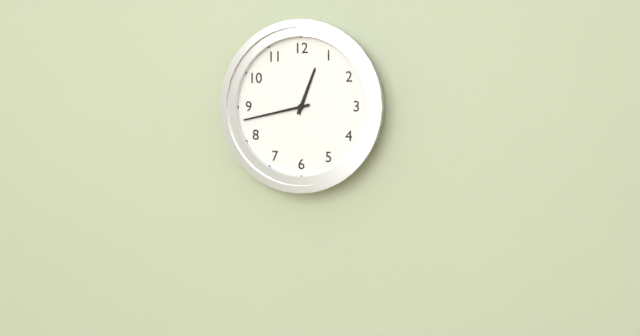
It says 12h43
